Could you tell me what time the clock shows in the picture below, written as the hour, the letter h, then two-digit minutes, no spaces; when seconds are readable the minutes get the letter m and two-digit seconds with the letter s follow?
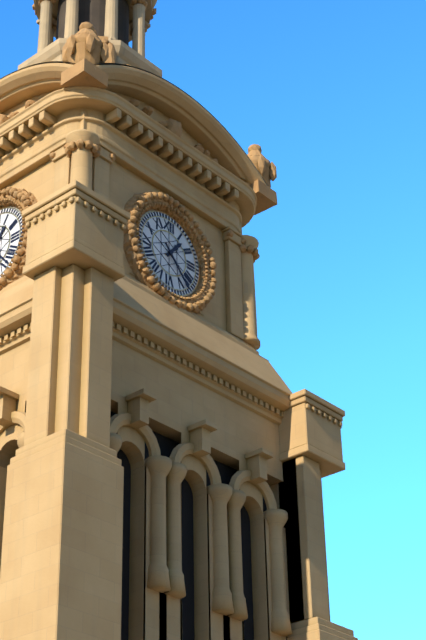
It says 1h23
